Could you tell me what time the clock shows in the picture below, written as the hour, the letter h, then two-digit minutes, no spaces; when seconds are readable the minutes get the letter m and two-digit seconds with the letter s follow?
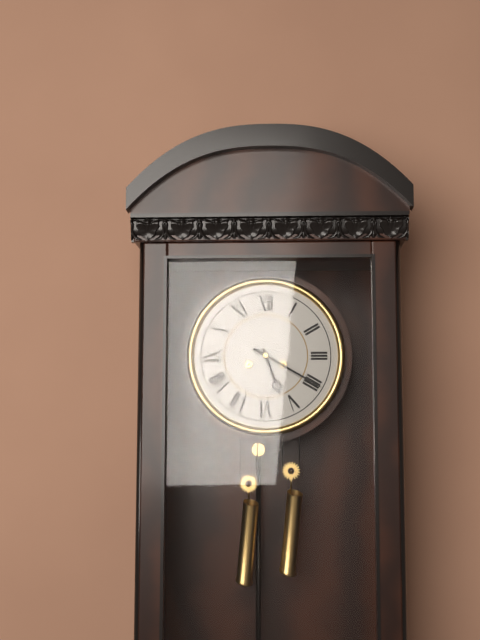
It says 5h20
